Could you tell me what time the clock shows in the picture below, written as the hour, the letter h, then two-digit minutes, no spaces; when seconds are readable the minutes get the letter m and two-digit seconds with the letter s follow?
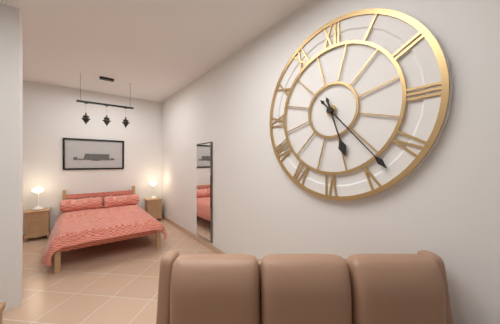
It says 5h23
